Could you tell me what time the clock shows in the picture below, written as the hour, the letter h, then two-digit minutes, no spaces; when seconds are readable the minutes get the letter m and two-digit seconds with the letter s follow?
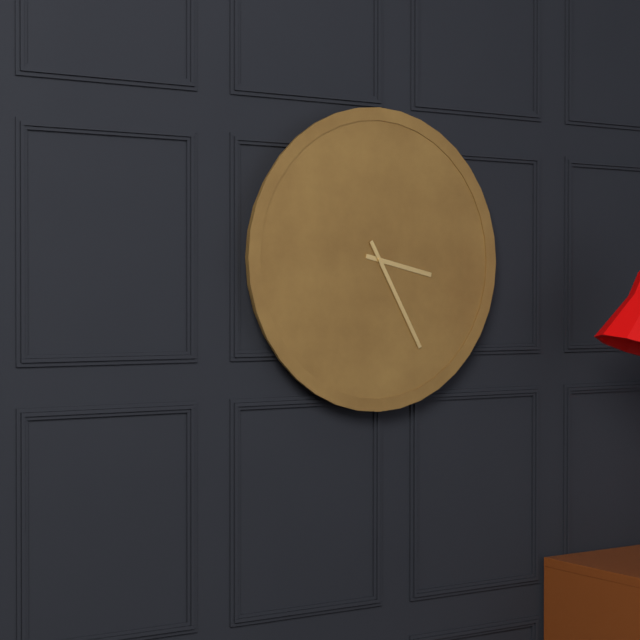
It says 3h25
